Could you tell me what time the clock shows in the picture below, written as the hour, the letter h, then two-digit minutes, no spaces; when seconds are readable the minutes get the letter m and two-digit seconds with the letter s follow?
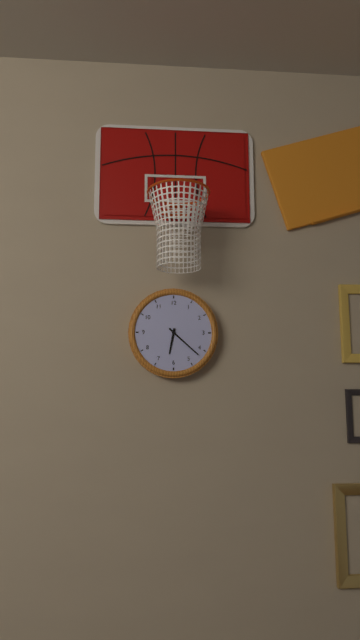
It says 6h22
